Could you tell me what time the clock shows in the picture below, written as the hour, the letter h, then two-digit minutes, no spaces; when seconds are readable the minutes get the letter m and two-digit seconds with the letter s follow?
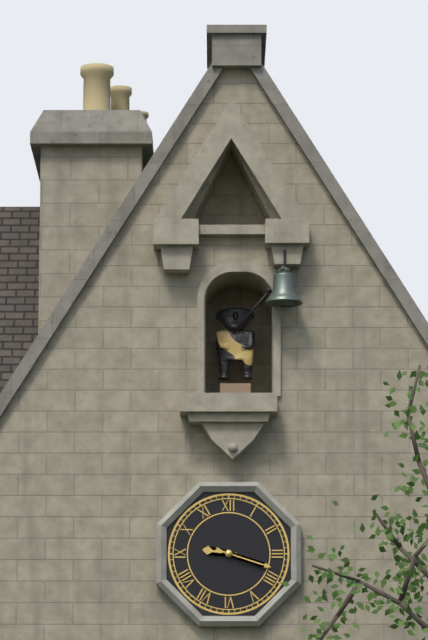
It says 9h18
